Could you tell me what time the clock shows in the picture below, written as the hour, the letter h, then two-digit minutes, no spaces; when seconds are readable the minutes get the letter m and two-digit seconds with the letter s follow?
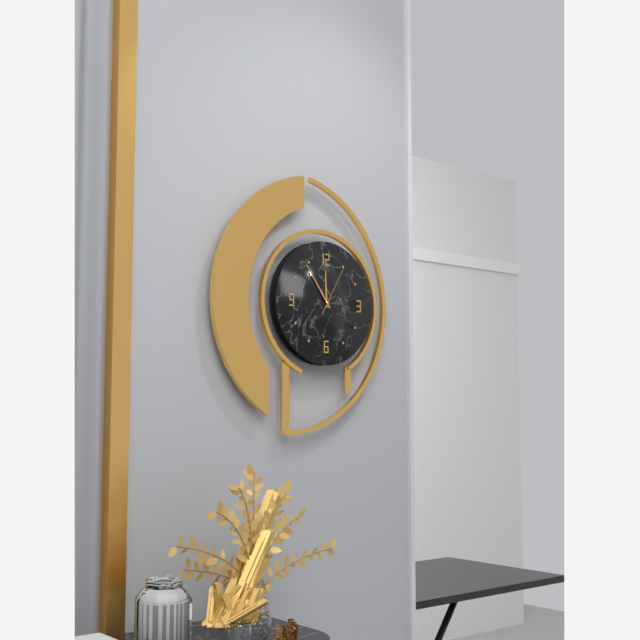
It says 11h54m05s
